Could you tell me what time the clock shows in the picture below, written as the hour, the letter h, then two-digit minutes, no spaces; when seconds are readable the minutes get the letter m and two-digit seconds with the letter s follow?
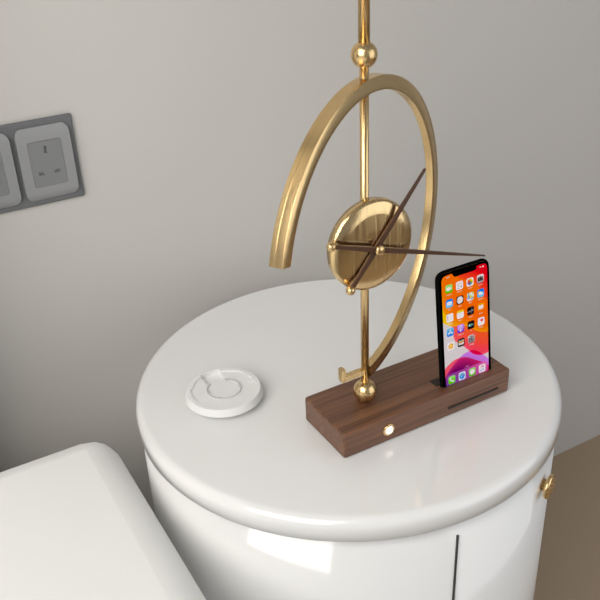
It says 1h18
